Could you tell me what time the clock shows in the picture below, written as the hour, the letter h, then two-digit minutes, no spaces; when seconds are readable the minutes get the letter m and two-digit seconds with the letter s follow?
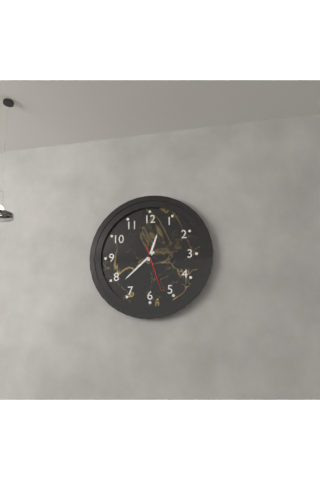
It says 12h38
